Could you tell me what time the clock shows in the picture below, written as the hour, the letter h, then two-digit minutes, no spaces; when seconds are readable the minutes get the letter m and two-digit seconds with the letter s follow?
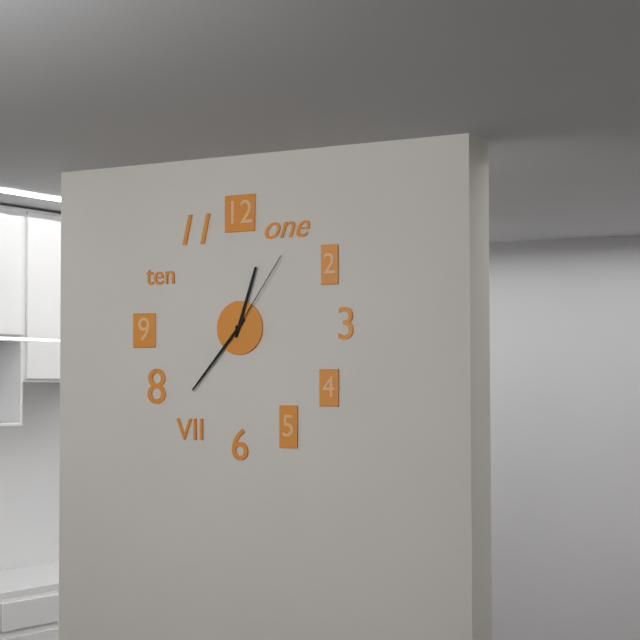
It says 12h37m06s
